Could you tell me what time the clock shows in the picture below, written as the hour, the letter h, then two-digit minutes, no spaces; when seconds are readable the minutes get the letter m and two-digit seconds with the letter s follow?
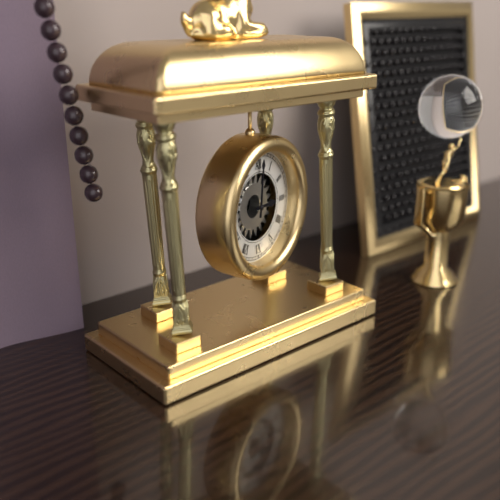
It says 3h01
